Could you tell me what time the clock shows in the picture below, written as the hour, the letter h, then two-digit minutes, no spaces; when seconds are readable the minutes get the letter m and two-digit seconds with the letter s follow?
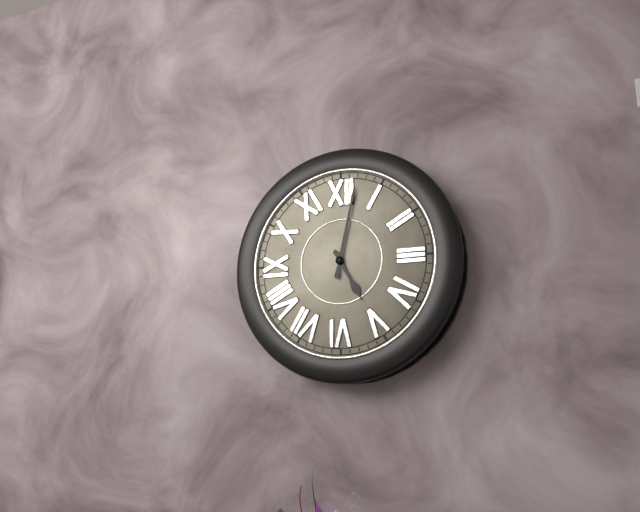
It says 5h02
